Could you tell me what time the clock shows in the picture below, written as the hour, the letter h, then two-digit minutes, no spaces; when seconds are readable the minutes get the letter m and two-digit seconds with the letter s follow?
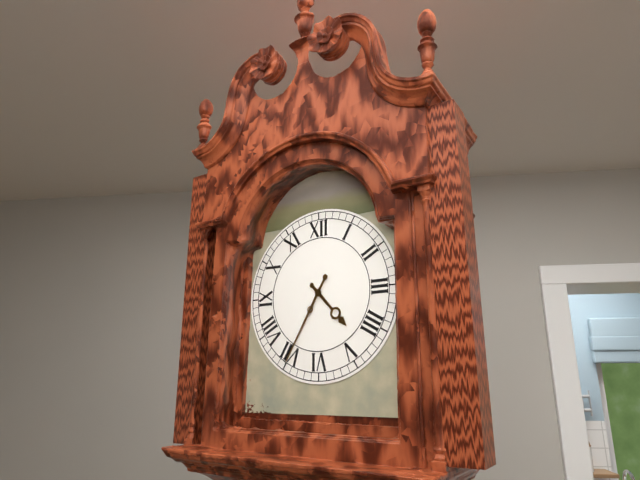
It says 4h35
